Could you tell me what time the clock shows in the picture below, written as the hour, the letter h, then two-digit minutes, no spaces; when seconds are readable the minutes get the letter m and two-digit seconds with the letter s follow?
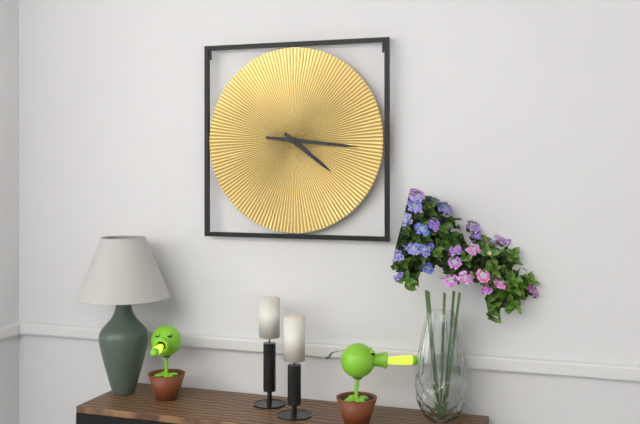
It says 4h16
